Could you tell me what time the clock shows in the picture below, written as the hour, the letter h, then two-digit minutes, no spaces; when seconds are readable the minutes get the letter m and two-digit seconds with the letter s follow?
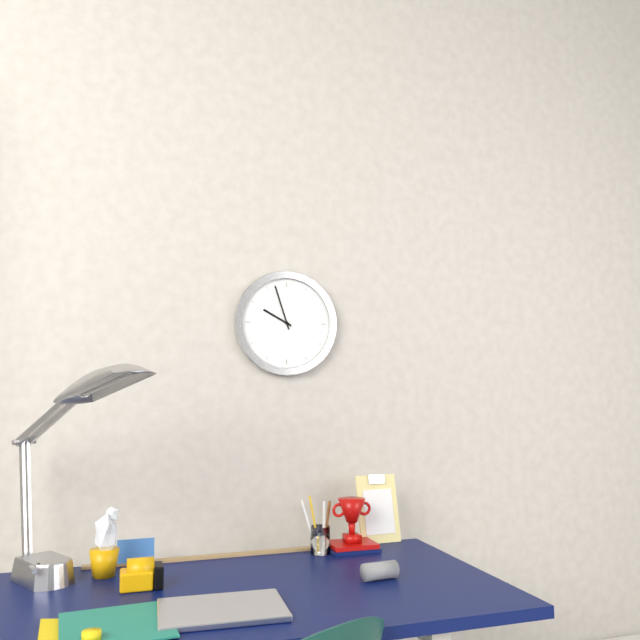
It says 9h57
